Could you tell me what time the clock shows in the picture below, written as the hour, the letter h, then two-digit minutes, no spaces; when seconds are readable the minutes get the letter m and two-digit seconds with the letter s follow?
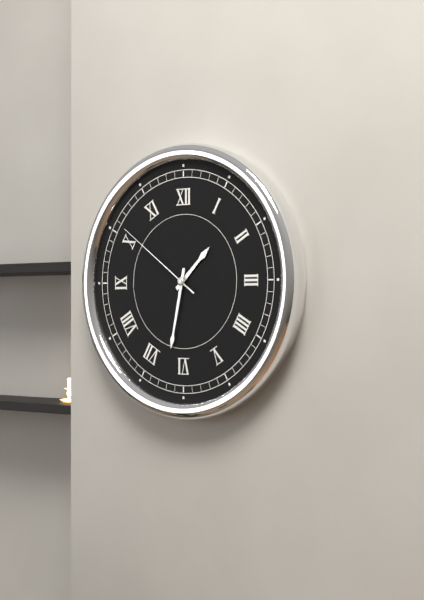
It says 1h32m51s
